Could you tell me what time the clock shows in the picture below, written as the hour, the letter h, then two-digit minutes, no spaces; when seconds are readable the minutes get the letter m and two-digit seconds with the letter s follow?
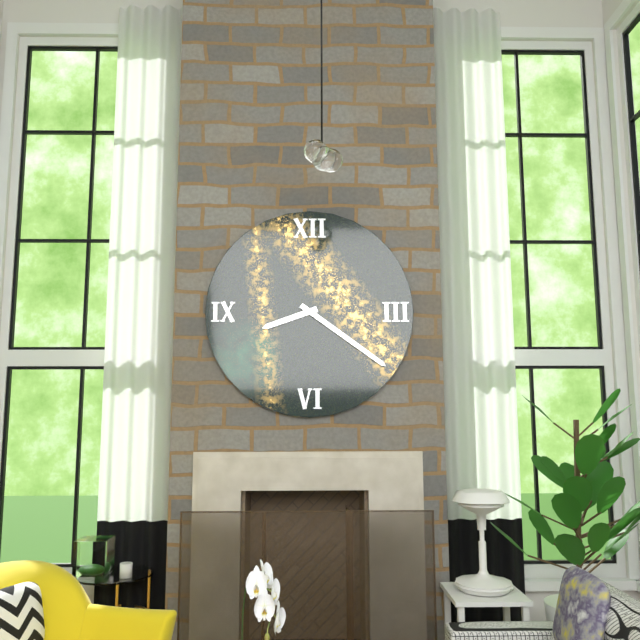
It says 8h21
